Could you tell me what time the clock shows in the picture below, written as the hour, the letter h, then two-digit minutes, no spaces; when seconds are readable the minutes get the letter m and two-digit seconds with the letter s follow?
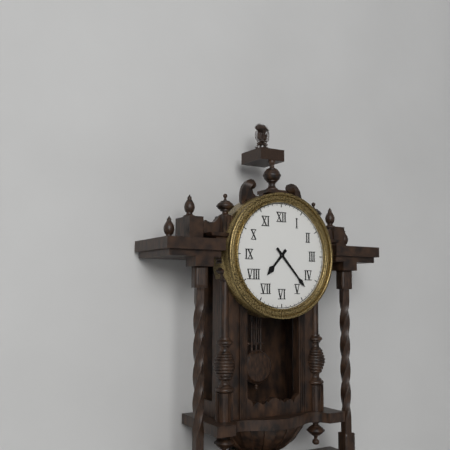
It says 7h23
